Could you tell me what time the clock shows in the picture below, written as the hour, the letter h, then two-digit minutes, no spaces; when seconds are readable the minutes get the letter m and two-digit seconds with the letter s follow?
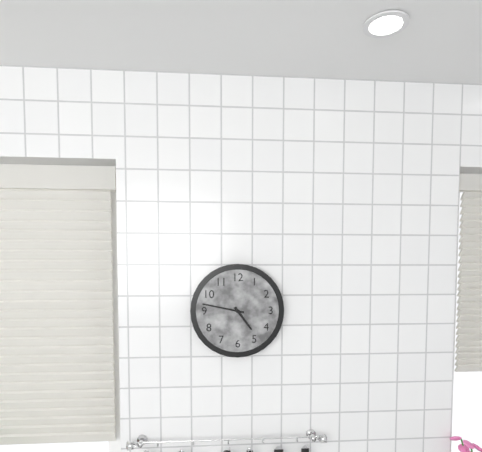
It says 4h47
